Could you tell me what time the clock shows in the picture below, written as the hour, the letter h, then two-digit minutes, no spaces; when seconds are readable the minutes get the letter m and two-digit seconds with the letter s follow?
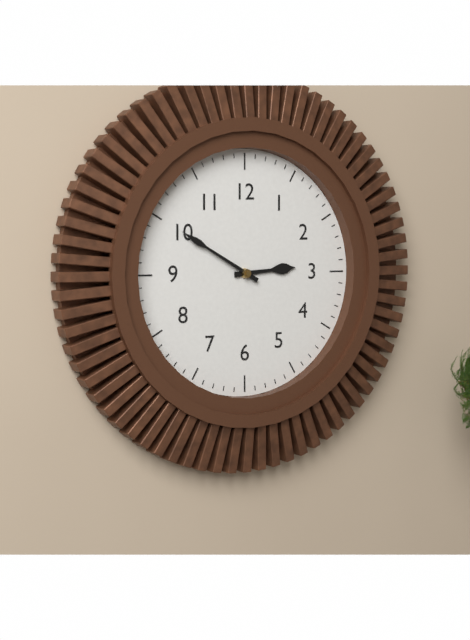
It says 2h50
